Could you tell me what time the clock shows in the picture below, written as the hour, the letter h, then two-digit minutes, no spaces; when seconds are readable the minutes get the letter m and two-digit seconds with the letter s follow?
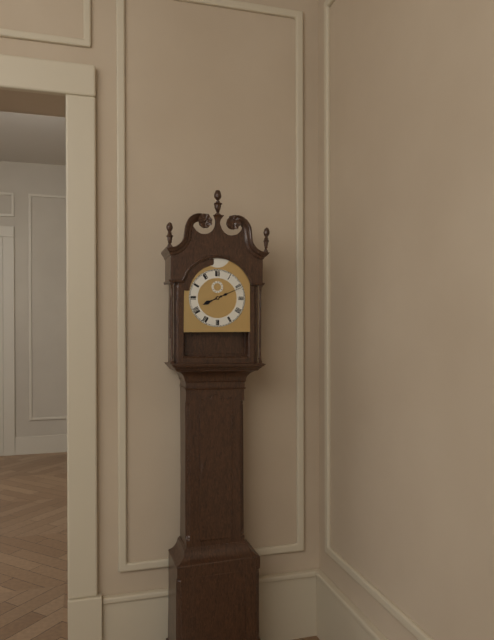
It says 8h11
